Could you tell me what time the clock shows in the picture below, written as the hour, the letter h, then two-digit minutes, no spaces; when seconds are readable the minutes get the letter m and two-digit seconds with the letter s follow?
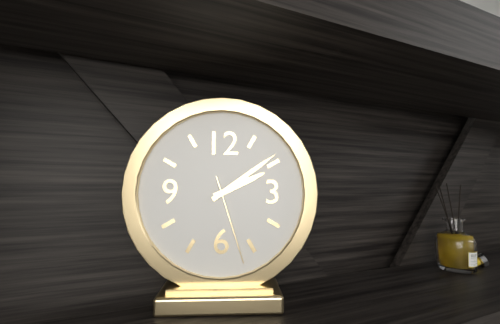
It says 2h09m27s
